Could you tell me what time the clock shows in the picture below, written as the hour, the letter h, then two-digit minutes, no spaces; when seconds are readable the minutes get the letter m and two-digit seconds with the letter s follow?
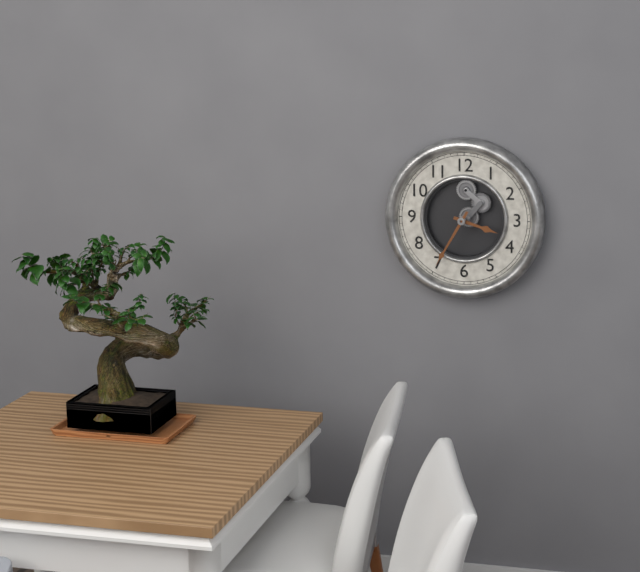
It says 3h35
